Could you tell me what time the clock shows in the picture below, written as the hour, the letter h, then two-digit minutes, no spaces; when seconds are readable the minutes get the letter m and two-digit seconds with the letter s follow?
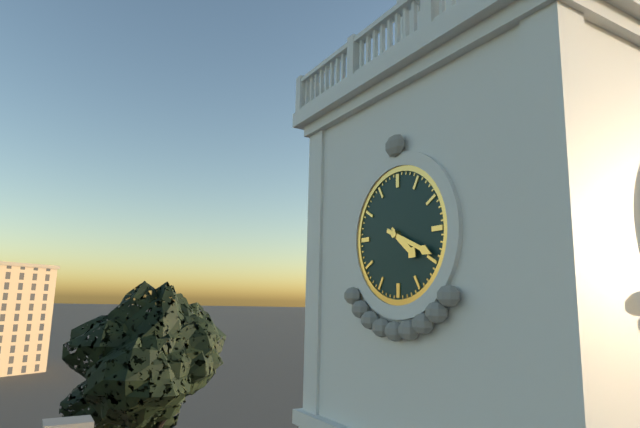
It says 4h19
